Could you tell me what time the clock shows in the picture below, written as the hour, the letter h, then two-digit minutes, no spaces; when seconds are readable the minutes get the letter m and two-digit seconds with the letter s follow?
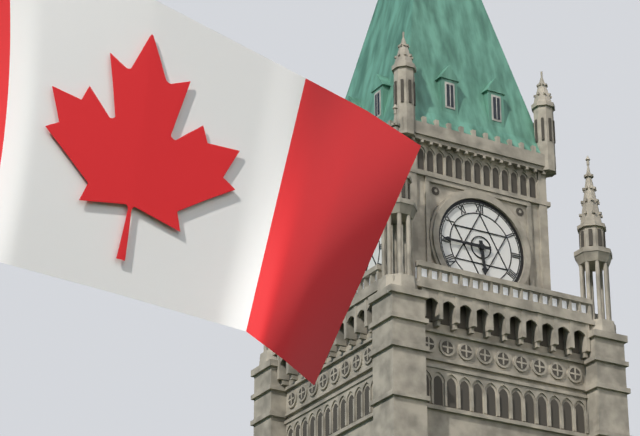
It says 5h45
